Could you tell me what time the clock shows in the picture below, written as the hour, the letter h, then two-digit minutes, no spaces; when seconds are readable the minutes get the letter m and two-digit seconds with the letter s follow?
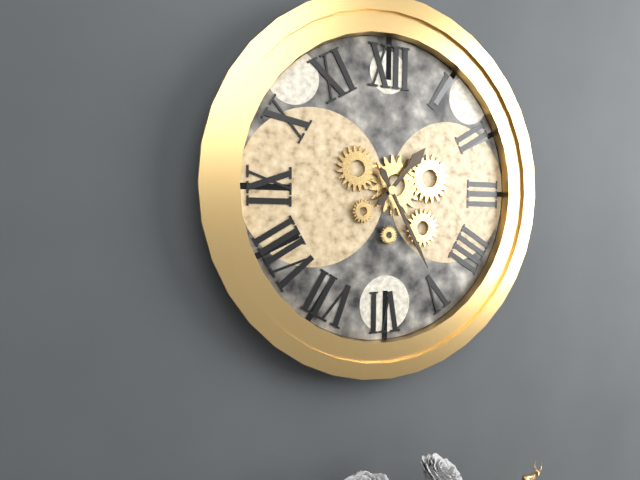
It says 1h25
